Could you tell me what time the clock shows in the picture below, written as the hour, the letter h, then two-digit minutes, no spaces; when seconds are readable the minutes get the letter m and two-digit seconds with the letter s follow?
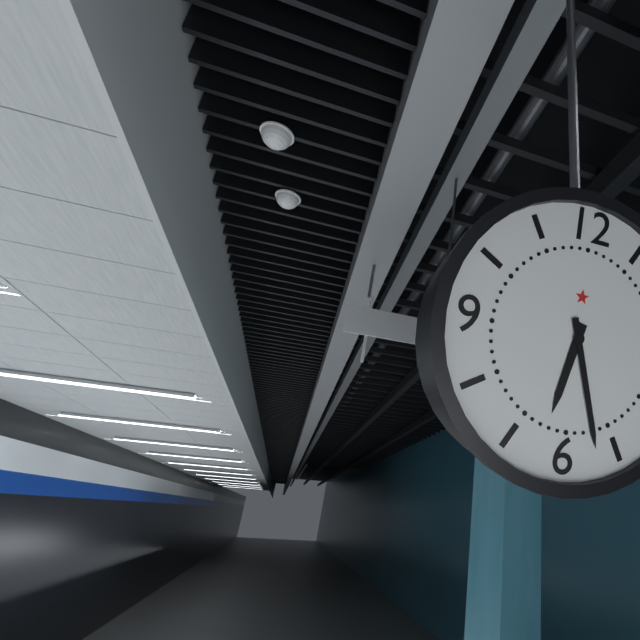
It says 6h27
